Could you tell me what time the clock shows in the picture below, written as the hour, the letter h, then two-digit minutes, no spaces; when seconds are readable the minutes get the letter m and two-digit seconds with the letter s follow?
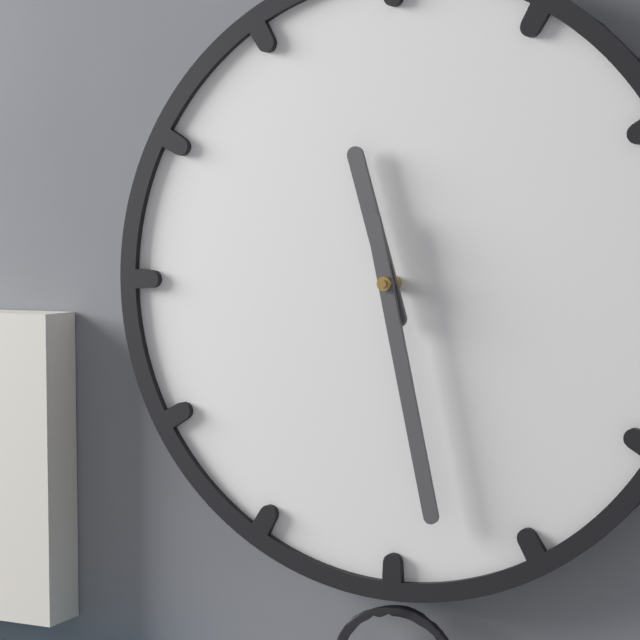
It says 11h28
